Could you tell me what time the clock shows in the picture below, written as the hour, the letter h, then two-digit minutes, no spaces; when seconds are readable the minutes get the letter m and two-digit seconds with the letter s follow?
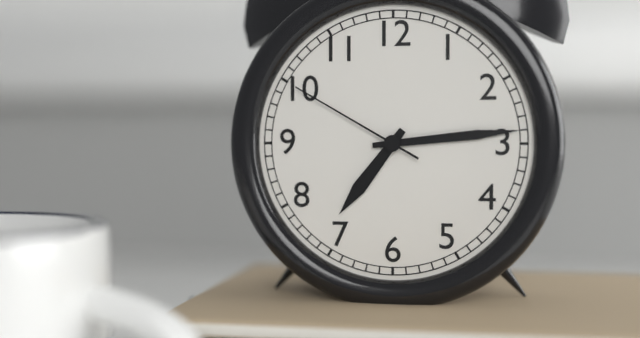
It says 7h14m50s
